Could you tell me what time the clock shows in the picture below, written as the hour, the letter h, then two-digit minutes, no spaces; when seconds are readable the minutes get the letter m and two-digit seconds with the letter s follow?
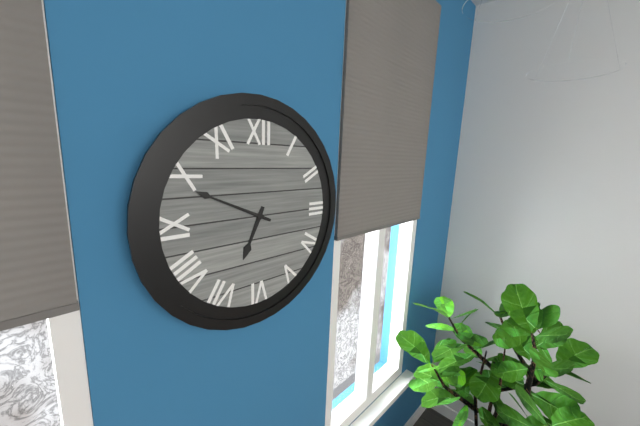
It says 6h49
